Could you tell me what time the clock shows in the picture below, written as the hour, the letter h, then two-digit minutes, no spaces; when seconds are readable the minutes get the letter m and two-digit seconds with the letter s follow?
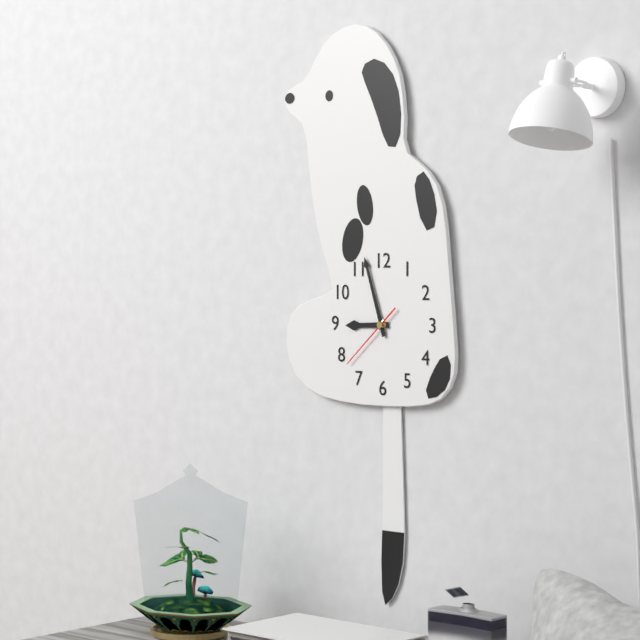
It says 8h57m38s
